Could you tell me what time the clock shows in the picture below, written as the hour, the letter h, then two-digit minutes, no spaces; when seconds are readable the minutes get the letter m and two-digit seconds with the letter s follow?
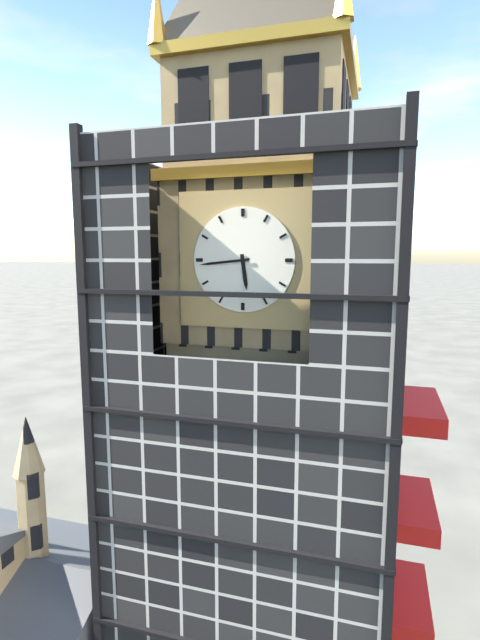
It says 5h44
